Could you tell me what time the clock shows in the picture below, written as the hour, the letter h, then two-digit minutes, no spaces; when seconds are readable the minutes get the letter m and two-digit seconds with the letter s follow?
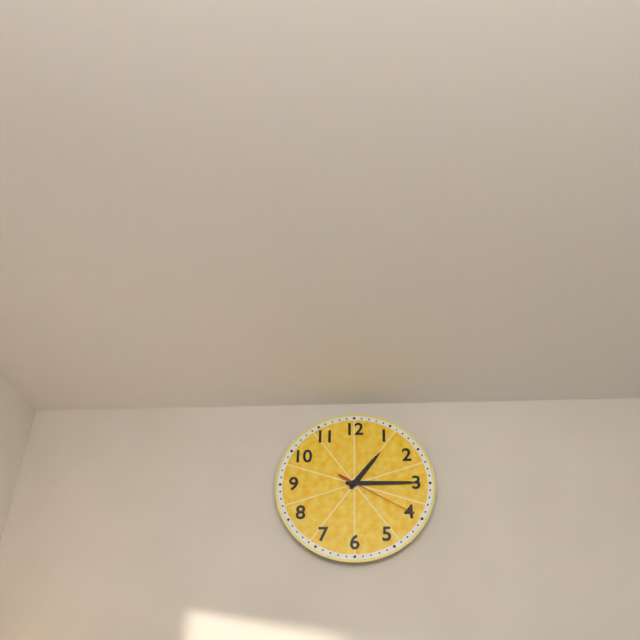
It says 1h15m20s
